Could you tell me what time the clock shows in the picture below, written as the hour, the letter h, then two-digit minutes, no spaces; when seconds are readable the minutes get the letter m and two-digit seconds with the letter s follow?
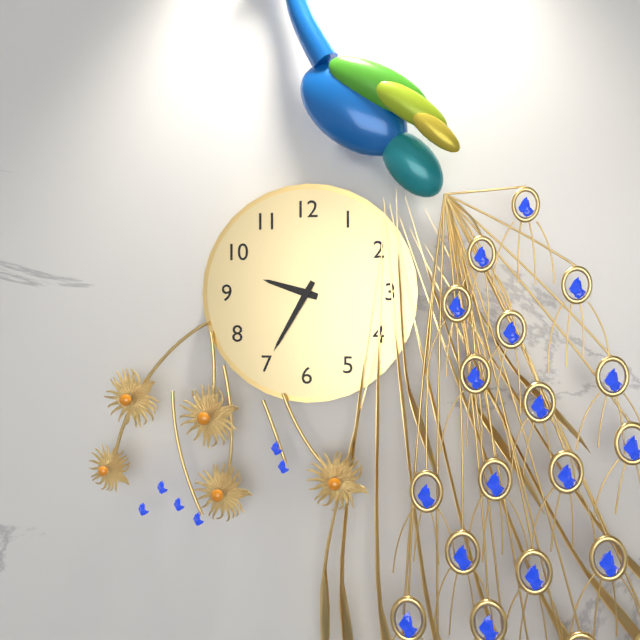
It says 9h35
